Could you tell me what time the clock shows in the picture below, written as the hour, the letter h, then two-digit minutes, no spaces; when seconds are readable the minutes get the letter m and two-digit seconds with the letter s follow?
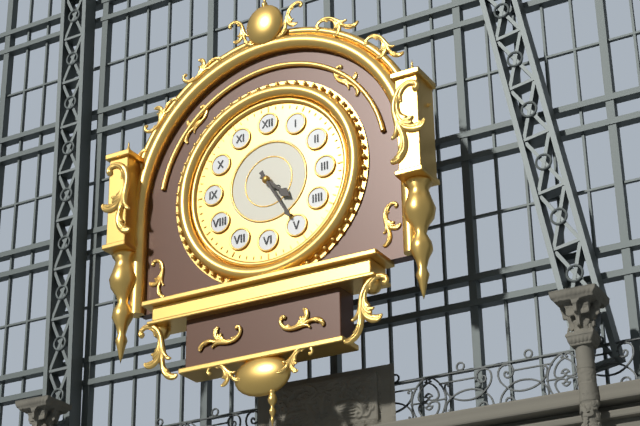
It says 4h25
